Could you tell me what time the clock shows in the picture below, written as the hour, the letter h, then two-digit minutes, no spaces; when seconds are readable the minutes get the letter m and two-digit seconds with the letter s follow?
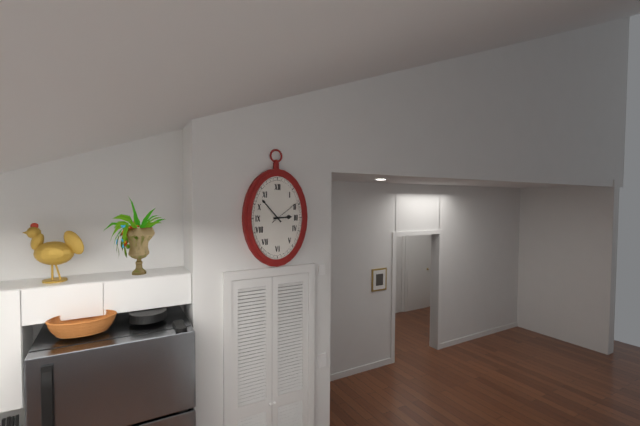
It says 2h53
